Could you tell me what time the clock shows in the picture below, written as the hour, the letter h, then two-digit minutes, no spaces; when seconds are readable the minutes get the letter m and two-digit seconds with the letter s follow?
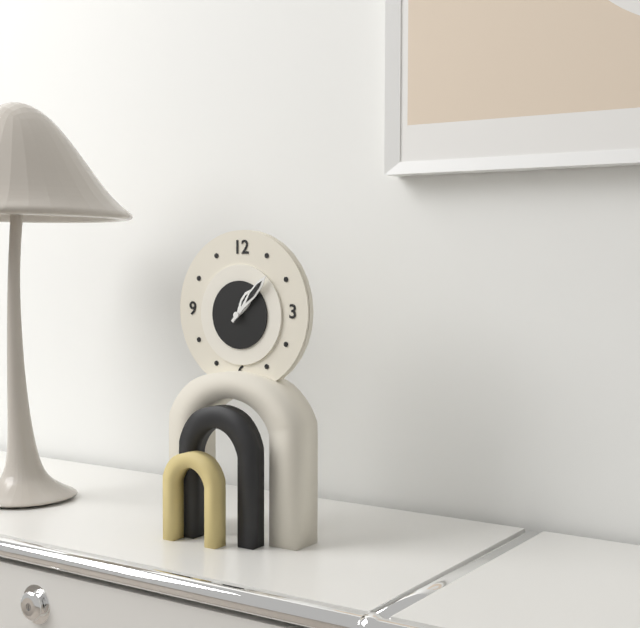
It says 1h07
